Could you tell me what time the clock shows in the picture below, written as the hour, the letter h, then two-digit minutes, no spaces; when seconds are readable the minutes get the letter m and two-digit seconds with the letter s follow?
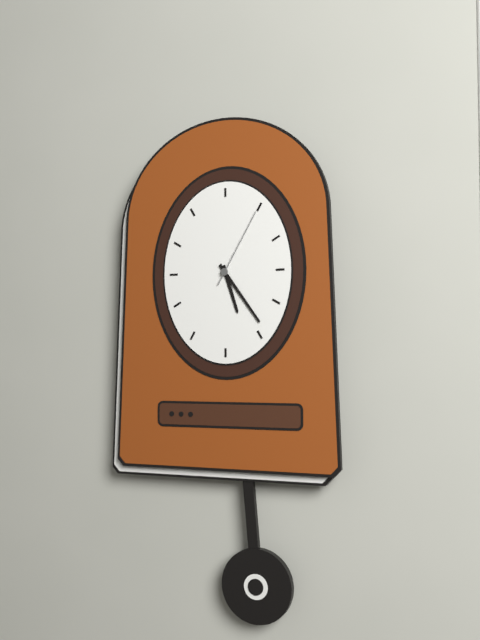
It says 5h24m05s
